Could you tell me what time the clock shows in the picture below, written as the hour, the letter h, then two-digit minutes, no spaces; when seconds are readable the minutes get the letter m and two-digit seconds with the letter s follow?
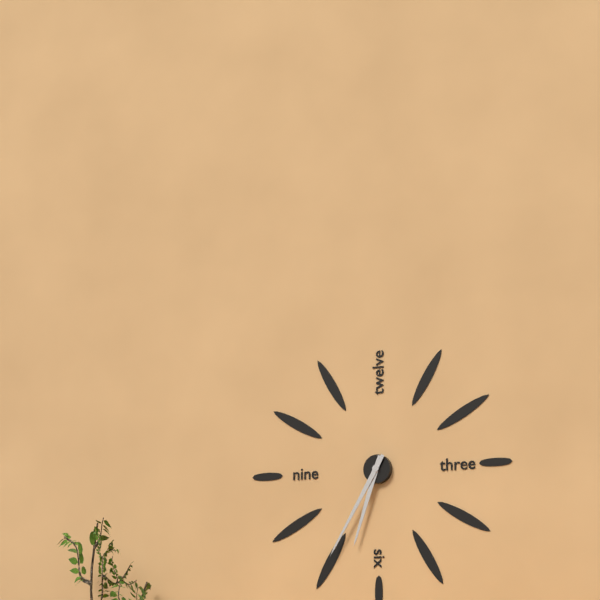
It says 6h35
